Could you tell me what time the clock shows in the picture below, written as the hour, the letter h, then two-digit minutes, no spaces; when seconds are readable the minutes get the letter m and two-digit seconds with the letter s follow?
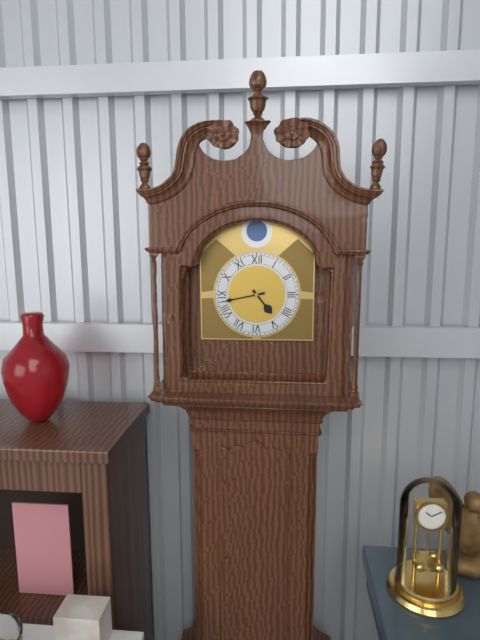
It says 4h43
